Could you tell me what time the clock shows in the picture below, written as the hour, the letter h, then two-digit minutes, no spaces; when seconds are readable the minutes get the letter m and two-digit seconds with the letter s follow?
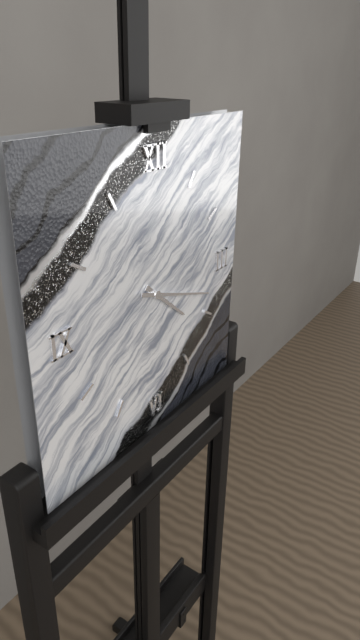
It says 4h18
